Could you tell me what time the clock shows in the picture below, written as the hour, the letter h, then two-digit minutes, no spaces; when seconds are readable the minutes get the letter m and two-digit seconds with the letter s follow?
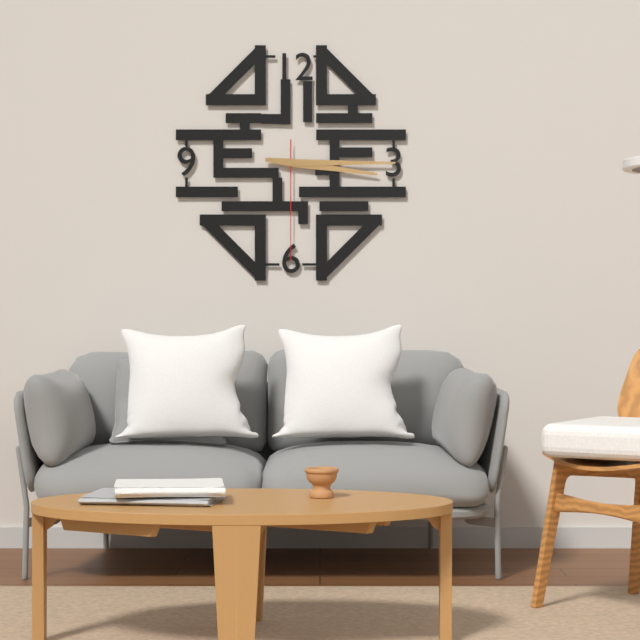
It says 3h15m30s
